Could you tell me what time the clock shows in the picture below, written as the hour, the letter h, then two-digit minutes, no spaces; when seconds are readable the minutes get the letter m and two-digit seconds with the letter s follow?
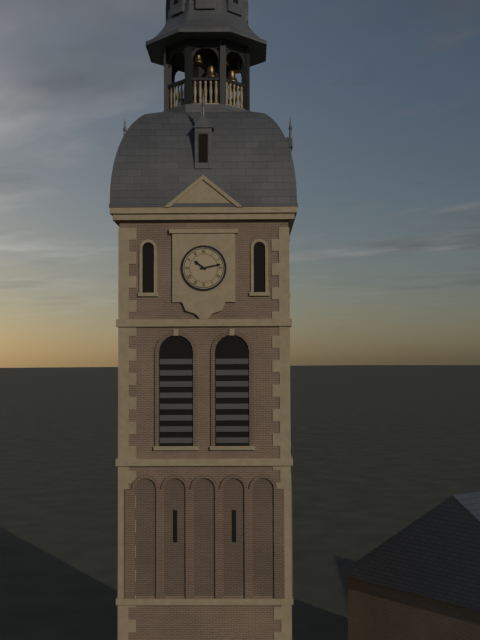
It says 10h13
